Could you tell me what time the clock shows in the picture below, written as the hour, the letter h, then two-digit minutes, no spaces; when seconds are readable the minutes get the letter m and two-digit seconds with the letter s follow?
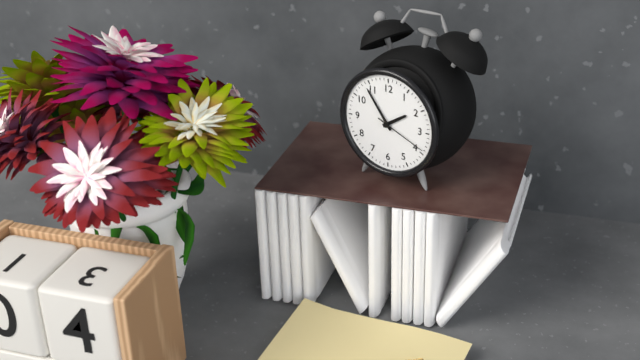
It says 1h54m19s
